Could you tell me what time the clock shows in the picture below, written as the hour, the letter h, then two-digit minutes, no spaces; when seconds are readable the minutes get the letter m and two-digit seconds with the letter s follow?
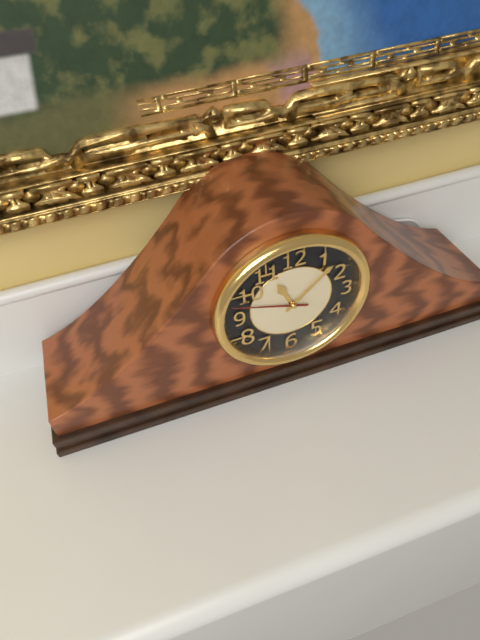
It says 11h08m48s
